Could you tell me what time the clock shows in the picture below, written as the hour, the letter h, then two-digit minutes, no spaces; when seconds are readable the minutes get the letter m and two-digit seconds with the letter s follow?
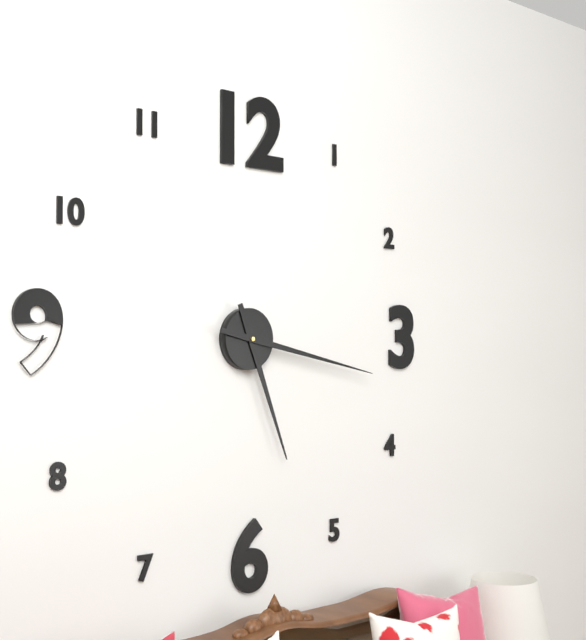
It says 5h17
